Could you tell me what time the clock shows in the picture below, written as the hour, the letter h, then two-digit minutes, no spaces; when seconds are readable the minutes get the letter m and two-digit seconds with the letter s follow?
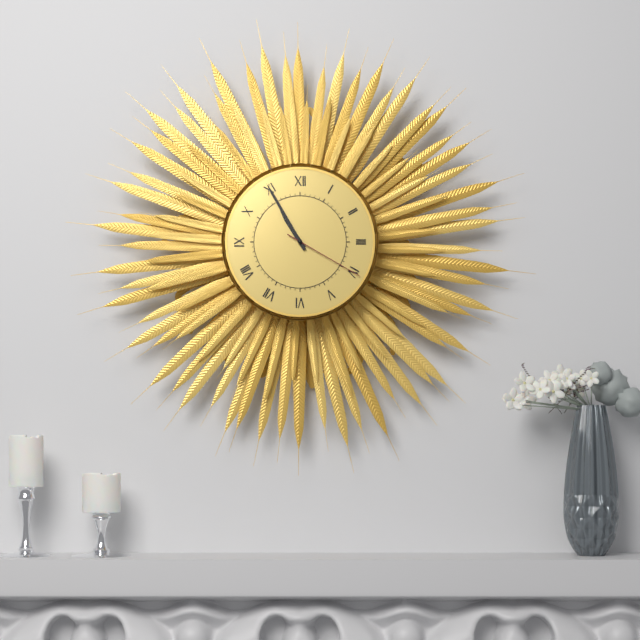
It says 10h55m20s
